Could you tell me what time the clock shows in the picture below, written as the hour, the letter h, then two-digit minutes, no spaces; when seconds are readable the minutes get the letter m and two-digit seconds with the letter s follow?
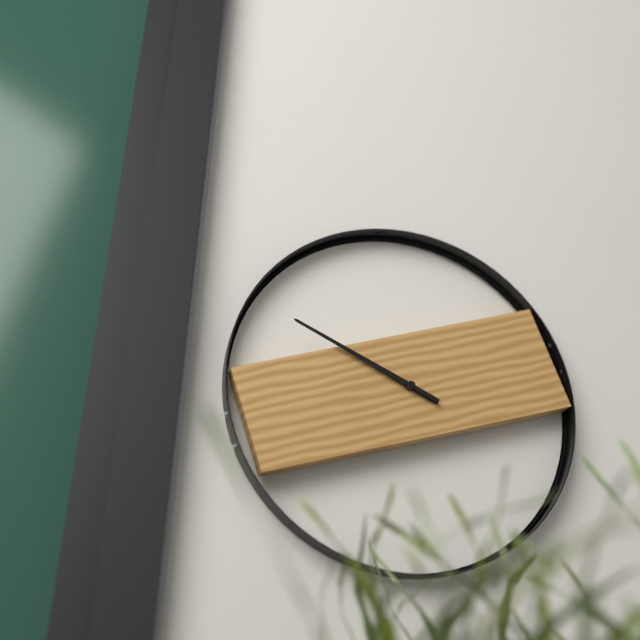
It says 9h49
